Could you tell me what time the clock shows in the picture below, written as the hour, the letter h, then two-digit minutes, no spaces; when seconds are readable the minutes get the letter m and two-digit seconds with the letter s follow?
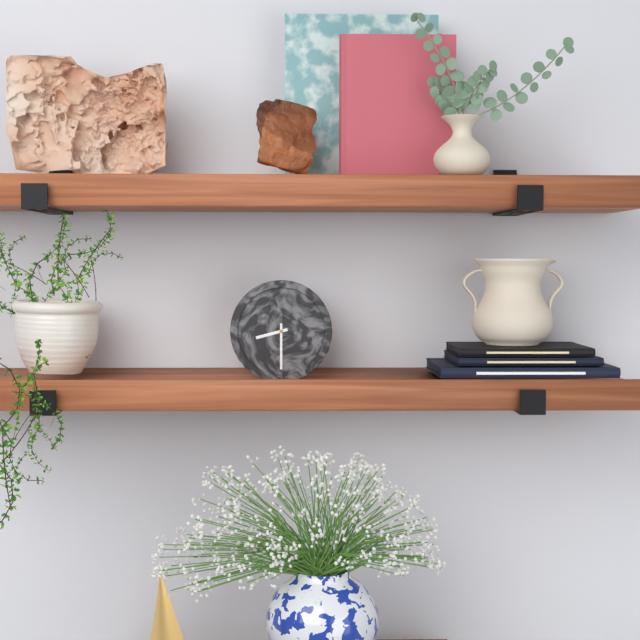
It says 8h30
